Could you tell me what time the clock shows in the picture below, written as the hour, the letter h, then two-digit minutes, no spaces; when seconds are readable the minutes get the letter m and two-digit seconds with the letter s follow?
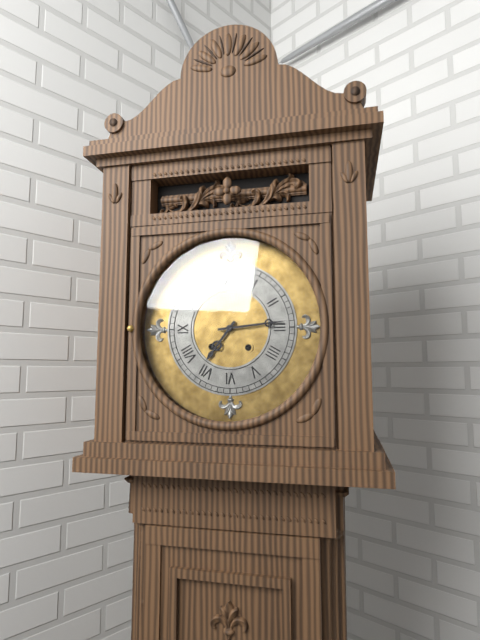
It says 7h14
